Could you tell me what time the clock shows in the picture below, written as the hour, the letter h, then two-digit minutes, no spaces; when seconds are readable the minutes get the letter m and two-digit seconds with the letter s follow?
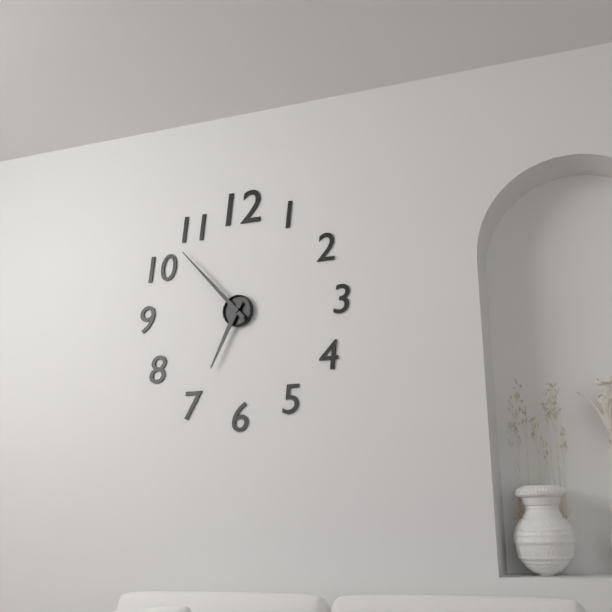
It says 6h53
